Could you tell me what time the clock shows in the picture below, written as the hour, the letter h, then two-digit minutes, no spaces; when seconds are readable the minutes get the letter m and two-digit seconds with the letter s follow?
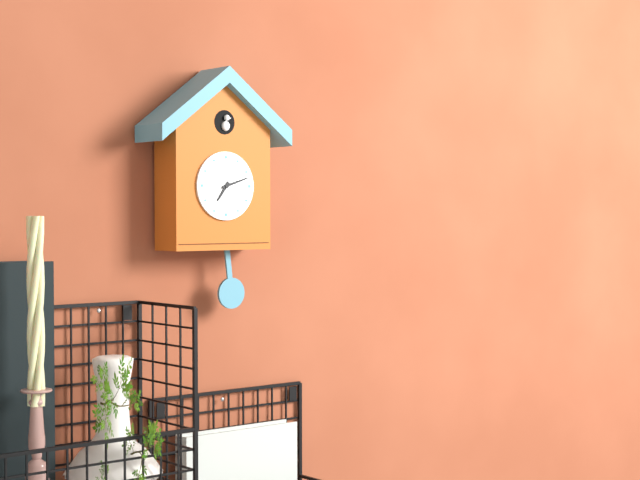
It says 7h12
